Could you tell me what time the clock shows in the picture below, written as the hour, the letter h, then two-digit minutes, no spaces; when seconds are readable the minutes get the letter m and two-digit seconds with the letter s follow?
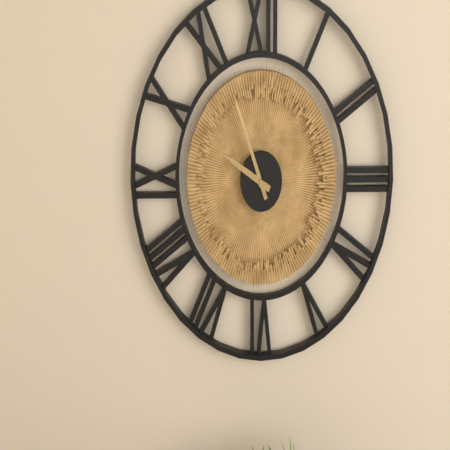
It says 9h56
